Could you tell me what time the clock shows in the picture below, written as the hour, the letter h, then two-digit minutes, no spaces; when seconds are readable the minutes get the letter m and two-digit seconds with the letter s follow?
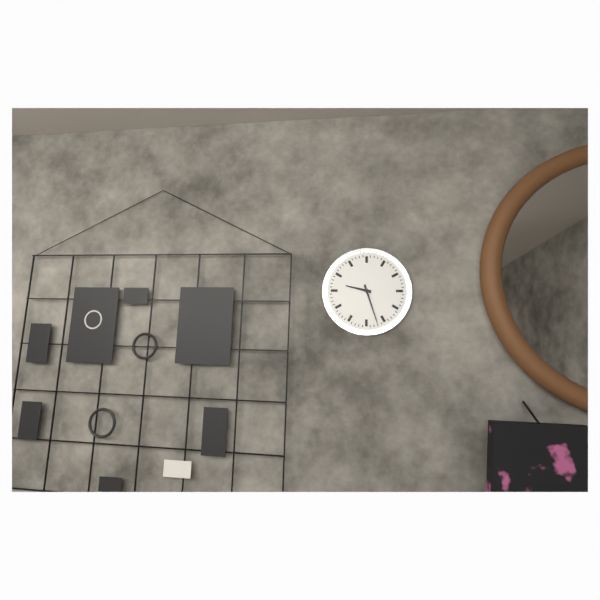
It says 9h27
